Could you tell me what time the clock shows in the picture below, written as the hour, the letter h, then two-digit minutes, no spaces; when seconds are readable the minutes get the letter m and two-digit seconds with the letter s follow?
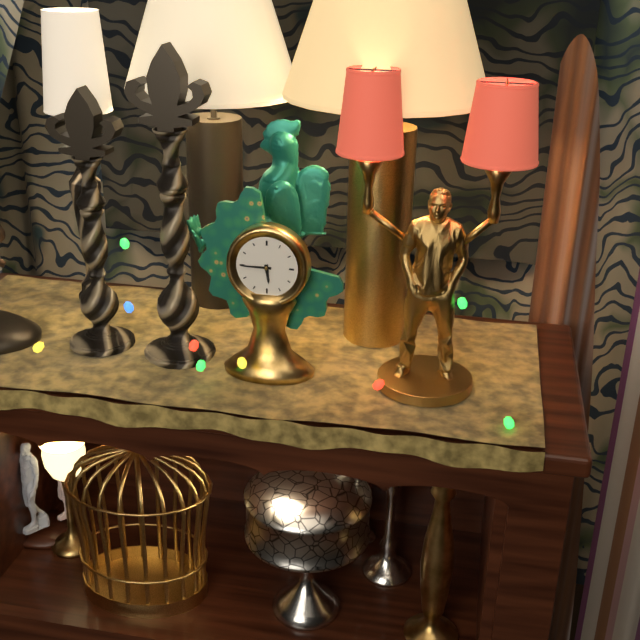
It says 5h45
